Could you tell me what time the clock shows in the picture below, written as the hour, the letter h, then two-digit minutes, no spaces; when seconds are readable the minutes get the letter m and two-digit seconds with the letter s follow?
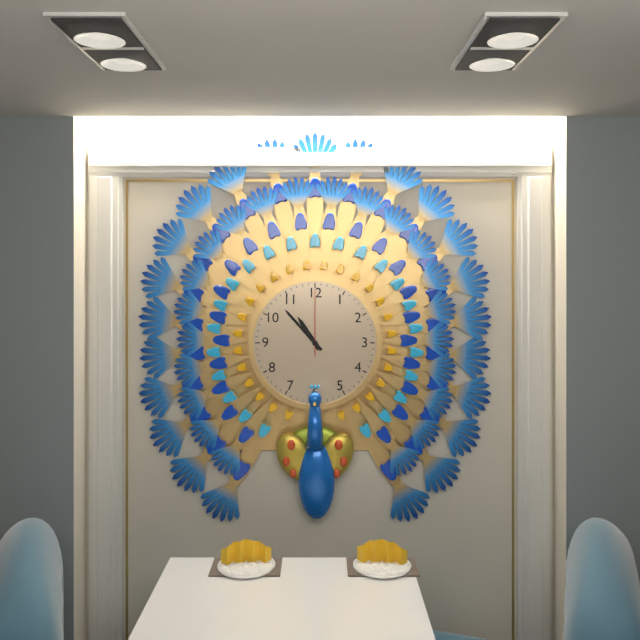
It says 10h53m00s
